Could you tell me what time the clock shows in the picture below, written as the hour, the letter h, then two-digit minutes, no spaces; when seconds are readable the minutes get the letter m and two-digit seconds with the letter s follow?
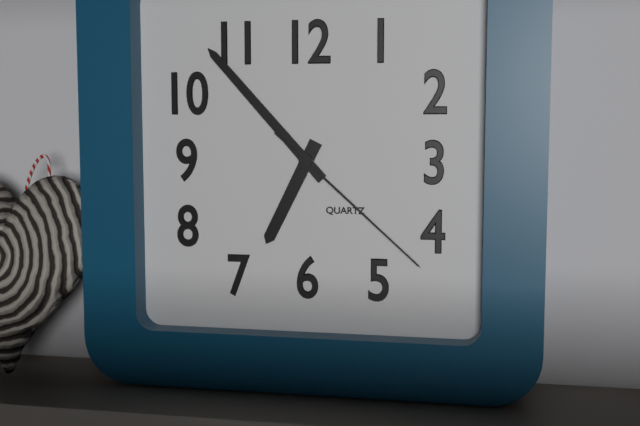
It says 6h53m22s
